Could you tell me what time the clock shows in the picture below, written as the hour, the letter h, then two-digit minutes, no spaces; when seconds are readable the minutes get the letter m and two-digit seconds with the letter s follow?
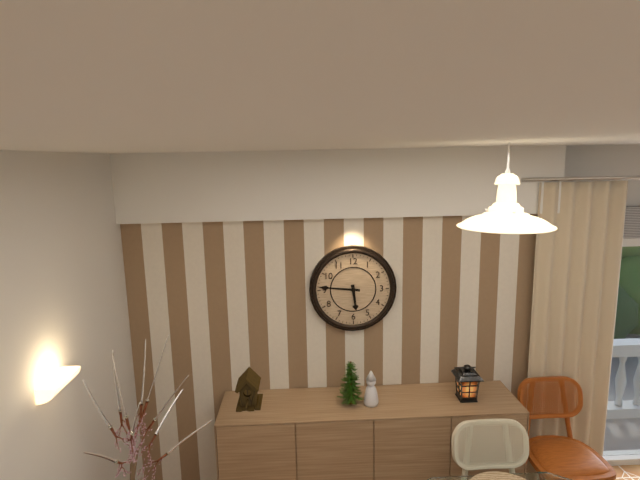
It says 5h46
